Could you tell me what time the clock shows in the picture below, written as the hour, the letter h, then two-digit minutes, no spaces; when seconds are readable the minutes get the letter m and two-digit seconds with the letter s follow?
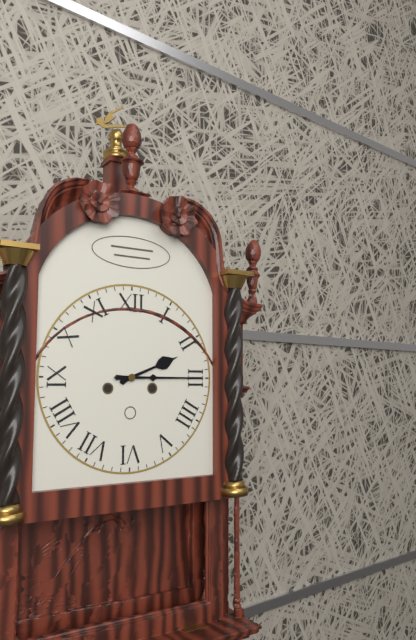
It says 2h15
